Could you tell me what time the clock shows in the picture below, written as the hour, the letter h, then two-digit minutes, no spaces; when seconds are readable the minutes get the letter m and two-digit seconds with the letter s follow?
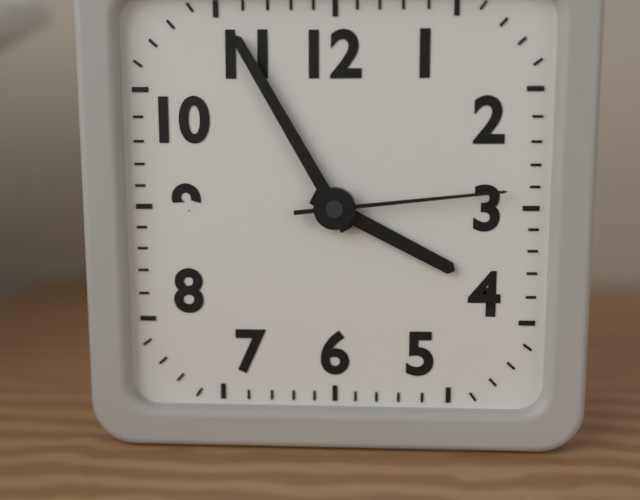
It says 3h55m14s
